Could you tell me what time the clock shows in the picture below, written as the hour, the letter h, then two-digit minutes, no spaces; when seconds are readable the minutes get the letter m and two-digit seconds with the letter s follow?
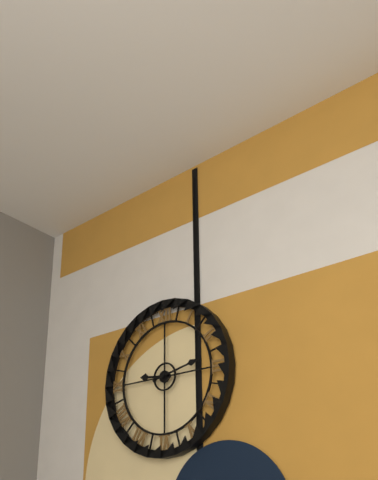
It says 9h13
